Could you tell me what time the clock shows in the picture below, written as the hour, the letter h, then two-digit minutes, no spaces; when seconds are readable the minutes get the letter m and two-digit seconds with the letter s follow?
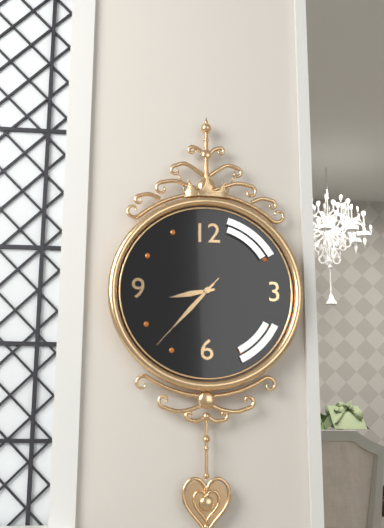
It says 8h37m37s
